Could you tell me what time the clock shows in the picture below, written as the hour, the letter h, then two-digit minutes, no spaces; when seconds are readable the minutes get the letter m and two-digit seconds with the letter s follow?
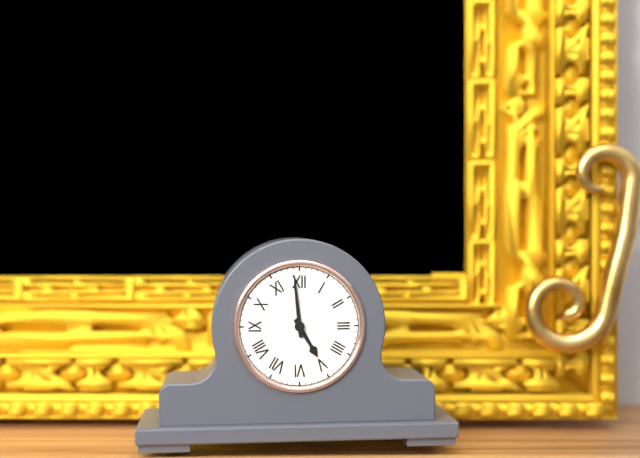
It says 4h59
